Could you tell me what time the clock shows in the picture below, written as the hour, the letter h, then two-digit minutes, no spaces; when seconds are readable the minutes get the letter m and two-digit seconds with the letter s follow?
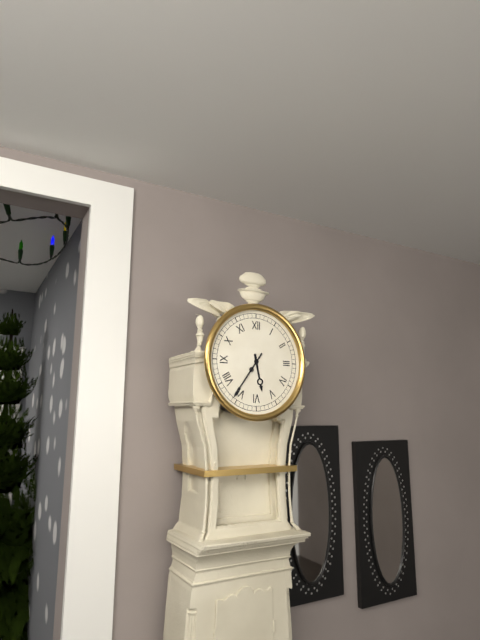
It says 5h36
